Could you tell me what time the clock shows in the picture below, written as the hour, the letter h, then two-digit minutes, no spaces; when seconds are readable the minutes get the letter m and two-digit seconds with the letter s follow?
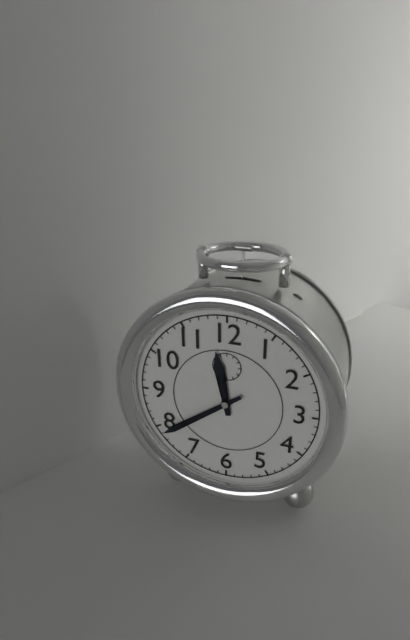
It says 11h39
